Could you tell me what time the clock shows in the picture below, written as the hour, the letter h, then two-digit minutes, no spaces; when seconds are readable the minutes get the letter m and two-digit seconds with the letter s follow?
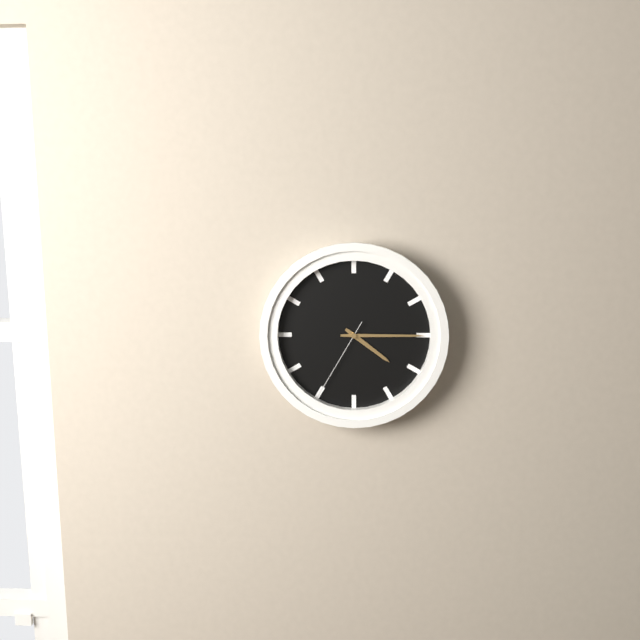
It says 4h15m35s
